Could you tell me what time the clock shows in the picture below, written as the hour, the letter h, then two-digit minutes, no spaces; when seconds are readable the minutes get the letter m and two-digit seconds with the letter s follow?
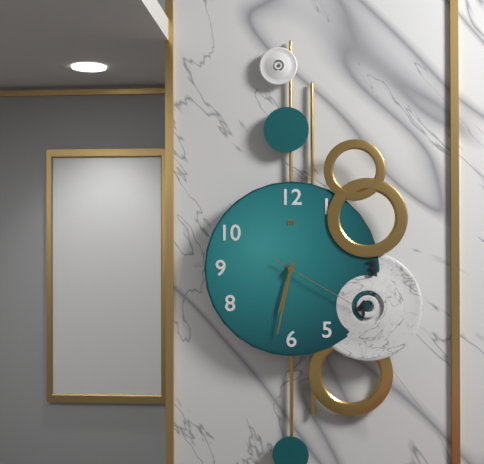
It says 6h32m20s
